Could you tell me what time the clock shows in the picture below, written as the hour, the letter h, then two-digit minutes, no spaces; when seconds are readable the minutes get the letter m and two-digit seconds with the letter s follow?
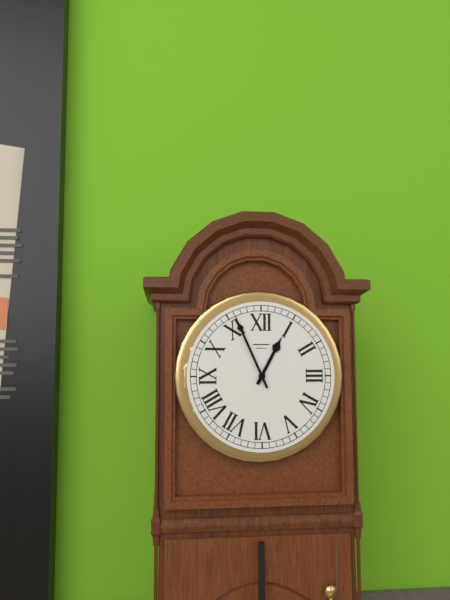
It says 12h56
